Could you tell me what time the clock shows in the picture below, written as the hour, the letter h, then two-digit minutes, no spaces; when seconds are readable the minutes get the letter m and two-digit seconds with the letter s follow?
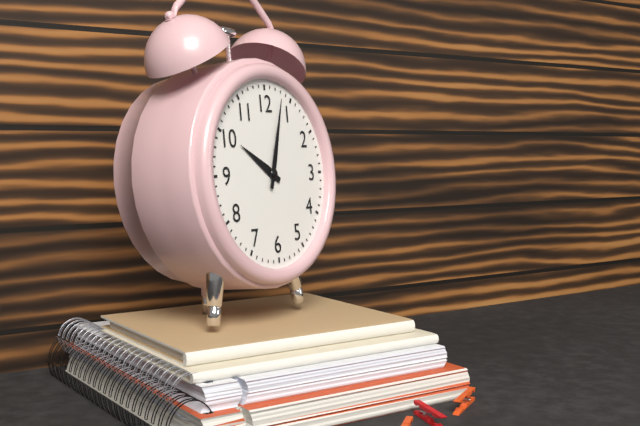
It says 10h03
